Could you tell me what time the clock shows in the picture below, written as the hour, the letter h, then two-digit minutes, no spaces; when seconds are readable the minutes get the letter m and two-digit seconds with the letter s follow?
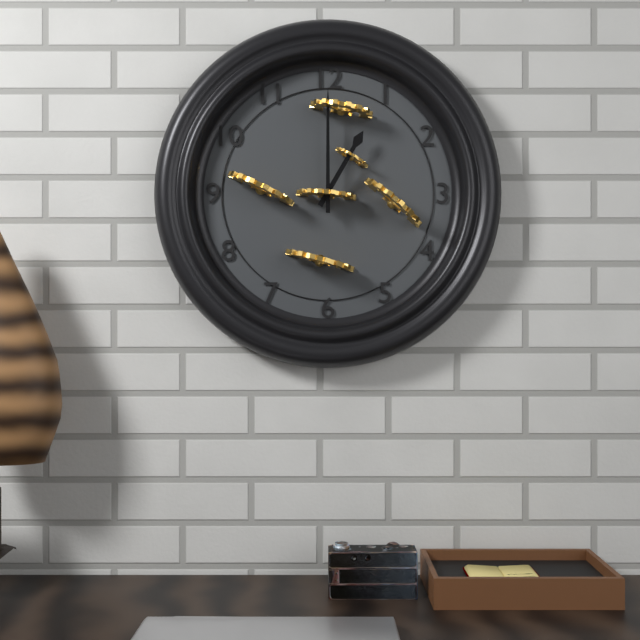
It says 1h00
